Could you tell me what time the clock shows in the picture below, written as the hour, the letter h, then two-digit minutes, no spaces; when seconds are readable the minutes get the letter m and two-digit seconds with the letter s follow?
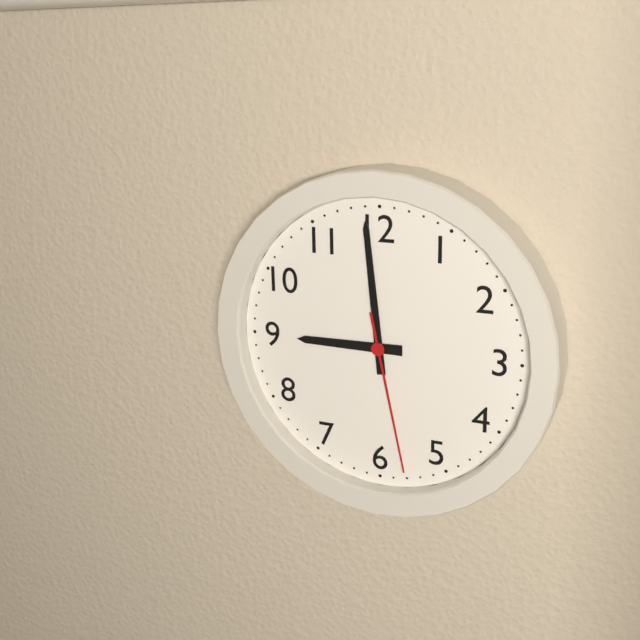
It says 8h59m28s
